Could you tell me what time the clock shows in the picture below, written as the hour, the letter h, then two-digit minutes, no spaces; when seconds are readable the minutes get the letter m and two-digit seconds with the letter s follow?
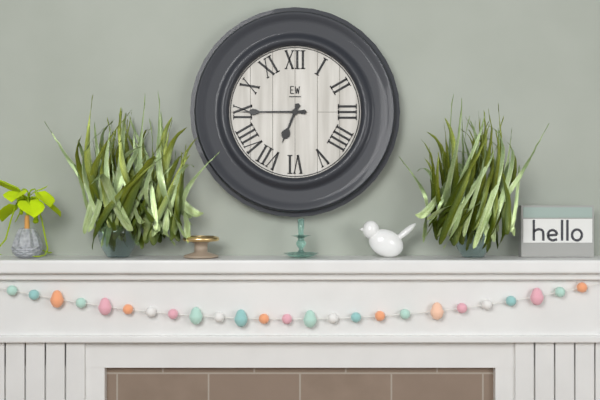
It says 6h45
